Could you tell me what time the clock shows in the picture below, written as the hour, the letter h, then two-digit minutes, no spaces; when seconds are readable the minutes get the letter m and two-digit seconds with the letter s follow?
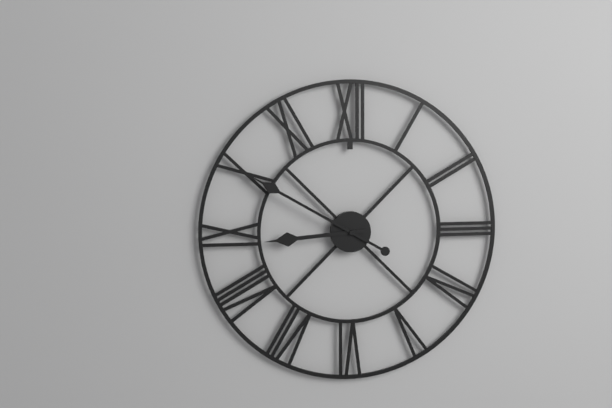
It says 8h50
